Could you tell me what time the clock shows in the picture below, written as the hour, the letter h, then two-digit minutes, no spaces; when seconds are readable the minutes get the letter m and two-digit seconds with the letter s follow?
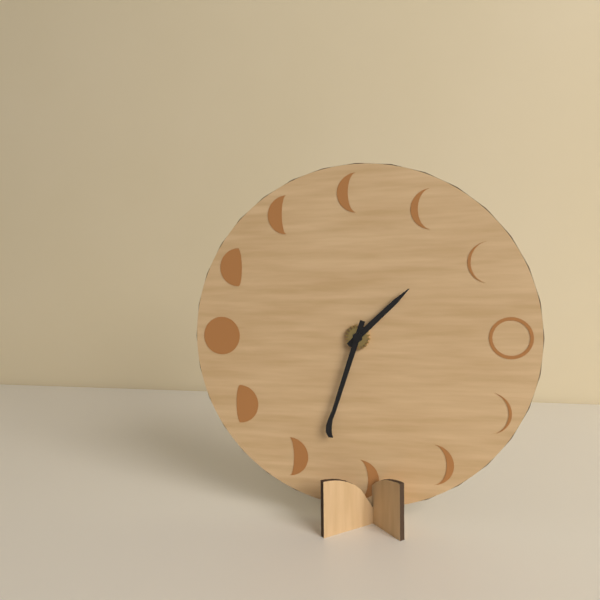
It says 1h33
